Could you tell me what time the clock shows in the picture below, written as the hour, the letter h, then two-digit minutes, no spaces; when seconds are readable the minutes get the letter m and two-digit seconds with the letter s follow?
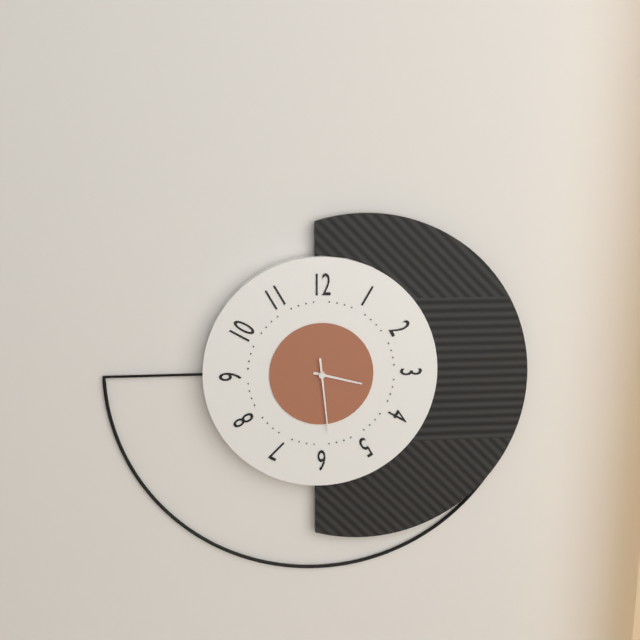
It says 3h29
